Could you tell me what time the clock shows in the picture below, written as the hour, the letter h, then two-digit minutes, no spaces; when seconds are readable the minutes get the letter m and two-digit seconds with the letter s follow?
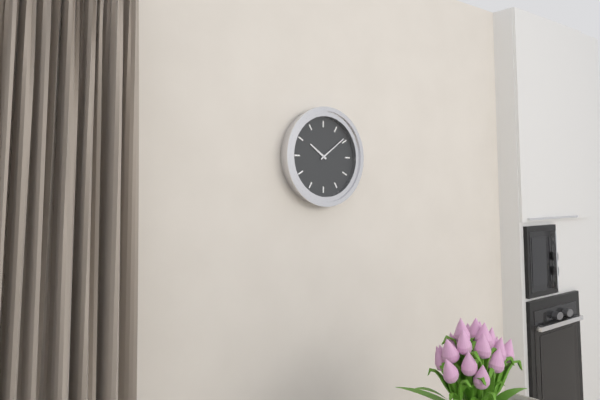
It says 10h09
